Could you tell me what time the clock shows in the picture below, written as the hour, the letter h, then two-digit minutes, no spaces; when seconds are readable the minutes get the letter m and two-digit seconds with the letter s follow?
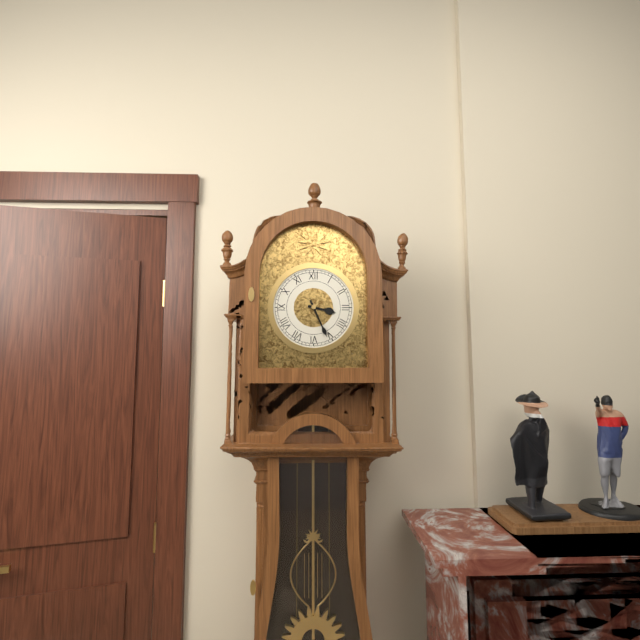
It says 3h26
